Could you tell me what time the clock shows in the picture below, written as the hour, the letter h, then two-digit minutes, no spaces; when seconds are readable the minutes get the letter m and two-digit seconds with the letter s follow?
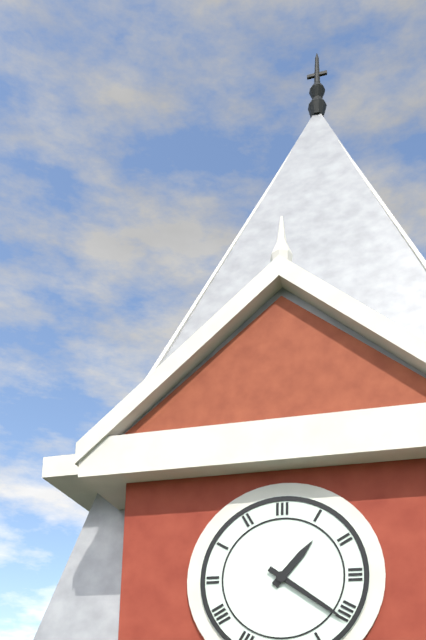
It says 1h21
